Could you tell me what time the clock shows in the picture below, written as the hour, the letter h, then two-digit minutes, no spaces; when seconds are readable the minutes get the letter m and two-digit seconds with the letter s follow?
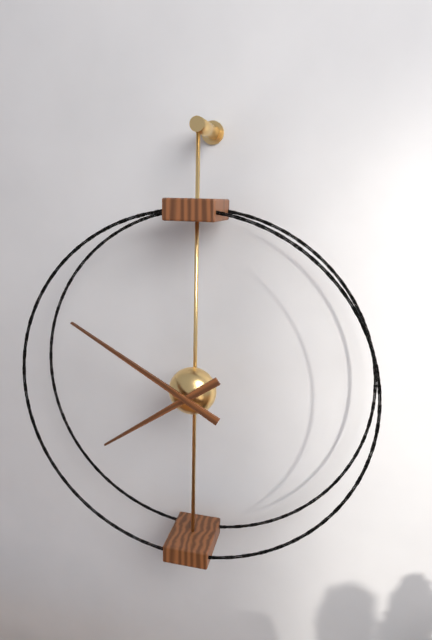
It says 7h50
